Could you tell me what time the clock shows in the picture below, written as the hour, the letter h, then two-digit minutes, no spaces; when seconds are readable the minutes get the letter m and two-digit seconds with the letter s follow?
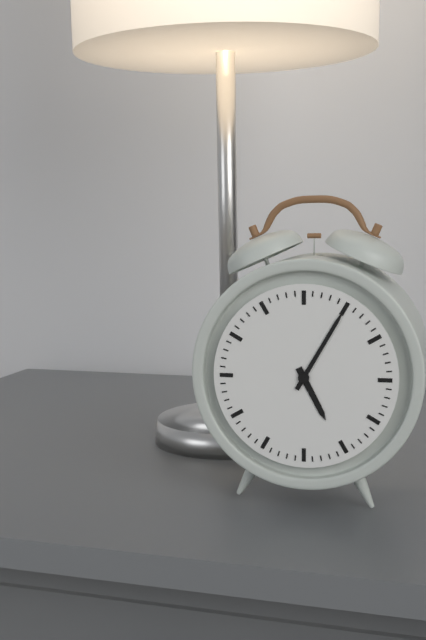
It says 5h05
